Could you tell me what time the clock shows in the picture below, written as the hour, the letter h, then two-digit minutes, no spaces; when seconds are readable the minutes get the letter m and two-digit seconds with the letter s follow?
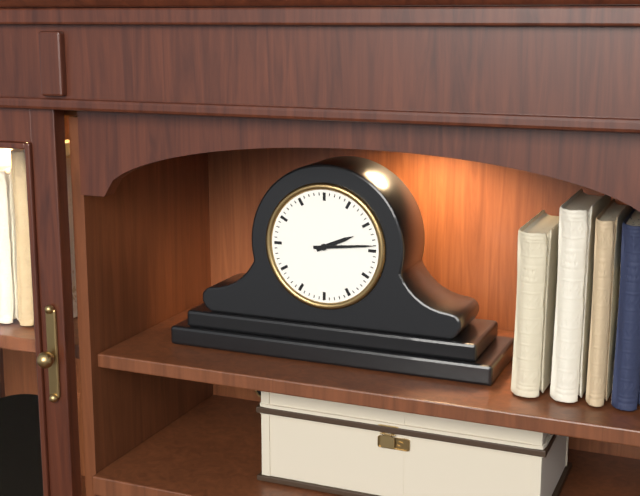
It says 2h14
